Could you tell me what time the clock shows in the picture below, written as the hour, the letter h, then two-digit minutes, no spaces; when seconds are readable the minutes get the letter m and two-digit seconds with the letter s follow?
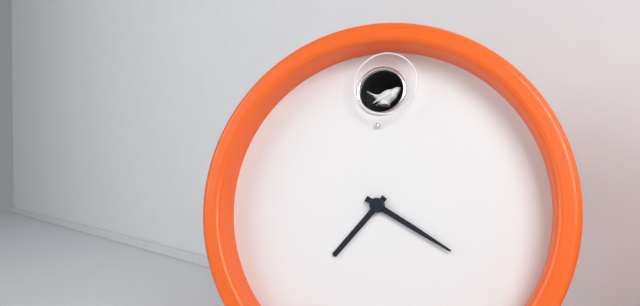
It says 7h20
